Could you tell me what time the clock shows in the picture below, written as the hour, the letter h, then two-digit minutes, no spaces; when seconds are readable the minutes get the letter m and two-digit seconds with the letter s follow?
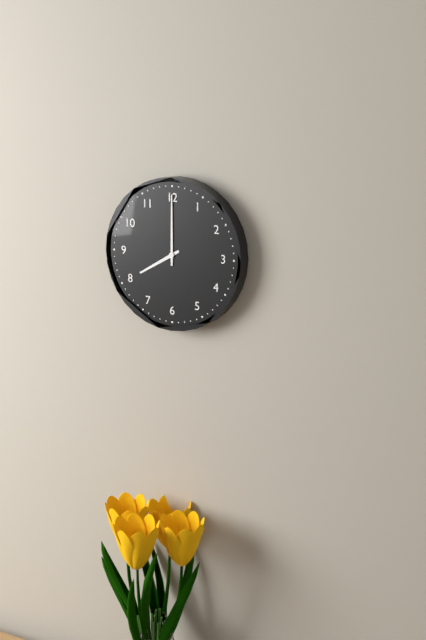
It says 8h00
